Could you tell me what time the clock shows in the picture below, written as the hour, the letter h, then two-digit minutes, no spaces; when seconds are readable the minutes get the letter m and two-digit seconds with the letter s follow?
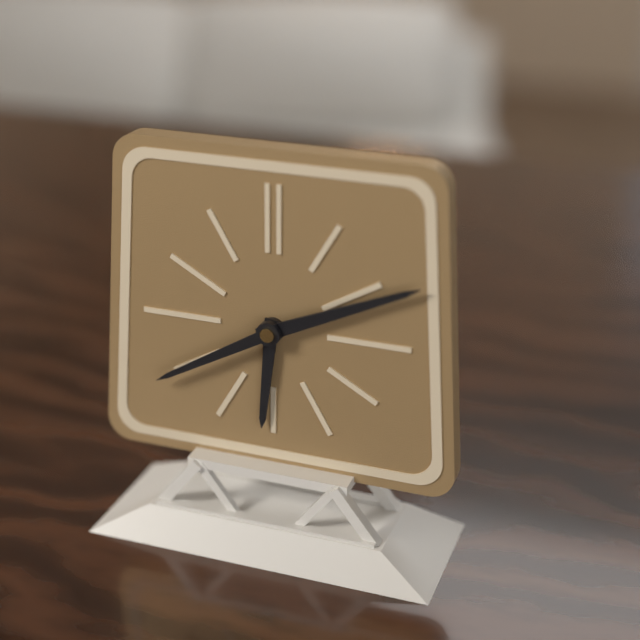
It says 6h11m40s
